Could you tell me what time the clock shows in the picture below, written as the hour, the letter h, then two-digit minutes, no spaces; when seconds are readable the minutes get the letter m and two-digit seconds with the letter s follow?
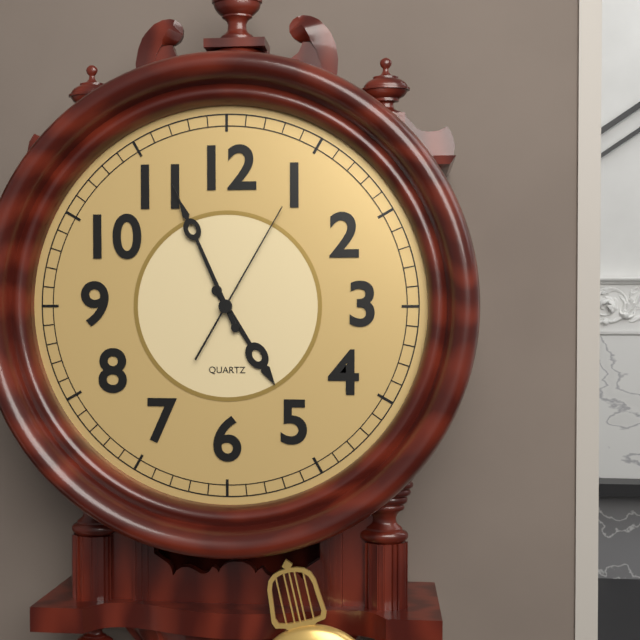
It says 4h56m05s
